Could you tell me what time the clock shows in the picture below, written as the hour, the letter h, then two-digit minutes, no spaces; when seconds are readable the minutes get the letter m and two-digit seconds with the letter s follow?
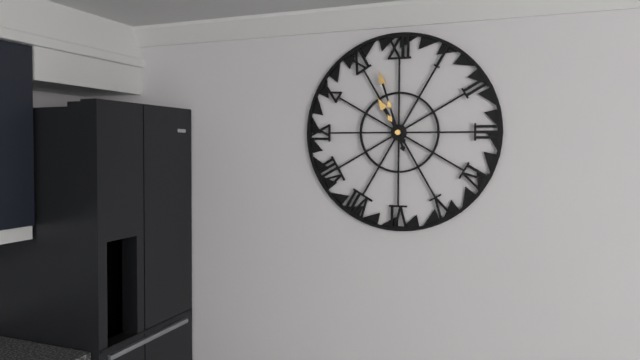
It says 10h57
